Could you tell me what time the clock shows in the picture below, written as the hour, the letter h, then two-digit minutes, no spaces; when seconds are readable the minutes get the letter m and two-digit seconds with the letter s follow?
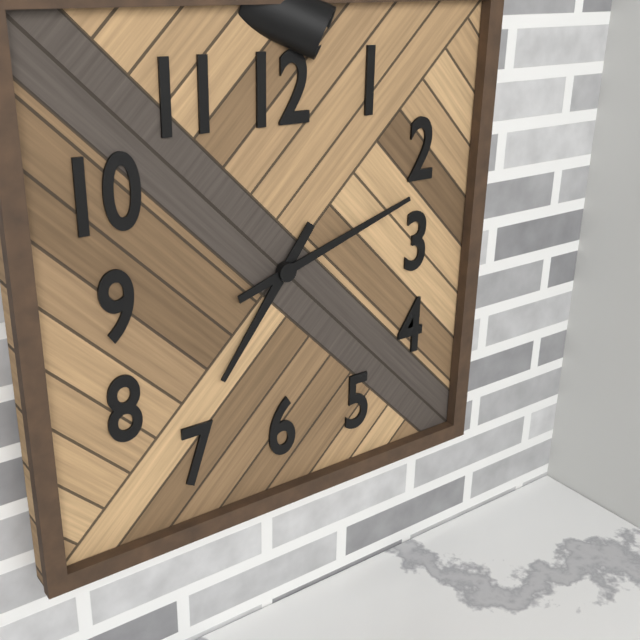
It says 7h12
